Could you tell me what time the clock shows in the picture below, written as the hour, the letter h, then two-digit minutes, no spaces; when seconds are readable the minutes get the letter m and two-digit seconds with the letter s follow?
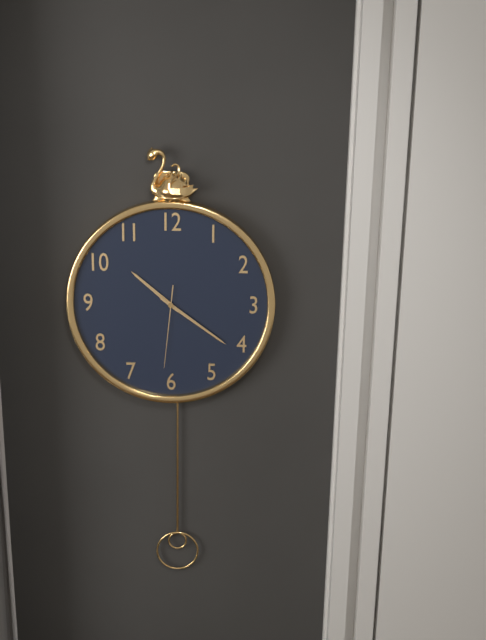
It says 10h21m31s
